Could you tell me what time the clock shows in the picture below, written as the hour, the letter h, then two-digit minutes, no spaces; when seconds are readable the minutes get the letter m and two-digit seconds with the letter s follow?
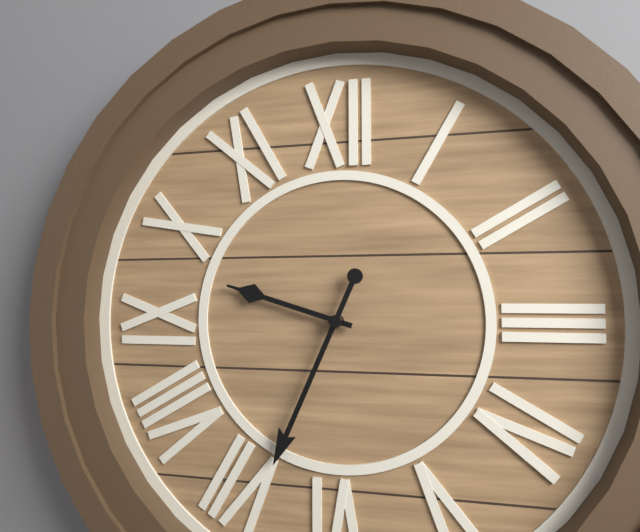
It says 9h34
